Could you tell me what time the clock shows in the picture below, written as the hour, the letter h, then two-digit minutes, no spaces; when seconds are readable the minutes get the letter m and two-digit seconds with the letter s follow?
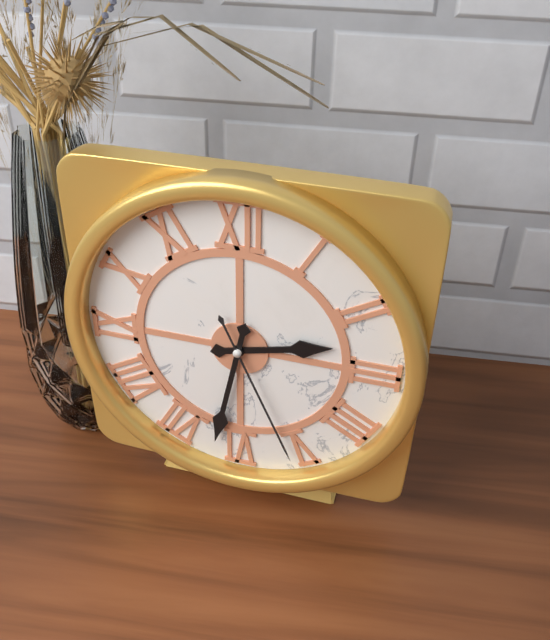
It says 2h32m26s
